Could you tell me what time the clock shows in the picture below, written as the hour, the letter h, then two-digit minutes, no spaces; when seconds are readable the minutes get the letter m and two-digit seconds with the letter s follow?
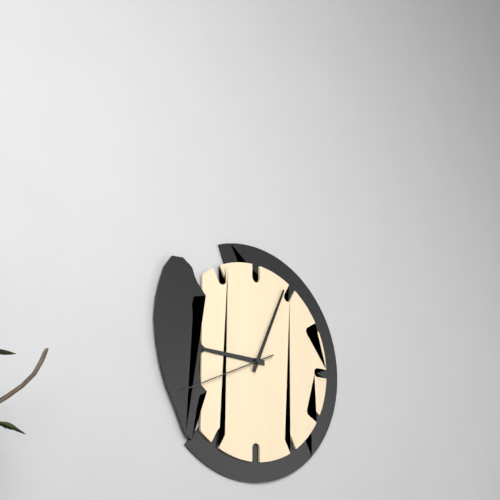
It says 9h04m41s
